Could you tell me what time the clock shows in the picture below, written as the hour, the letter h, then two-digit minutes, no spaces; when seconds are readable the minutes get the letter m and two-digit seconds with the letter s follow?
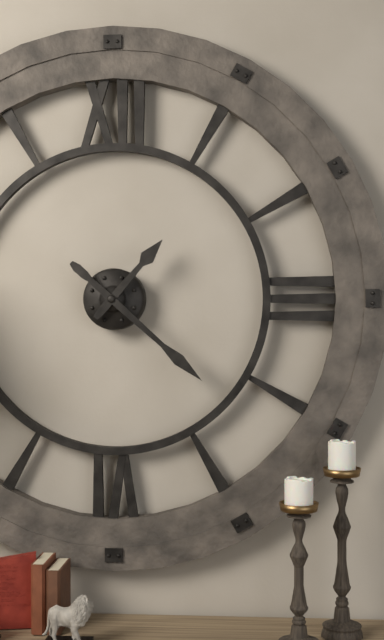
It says 1h22
